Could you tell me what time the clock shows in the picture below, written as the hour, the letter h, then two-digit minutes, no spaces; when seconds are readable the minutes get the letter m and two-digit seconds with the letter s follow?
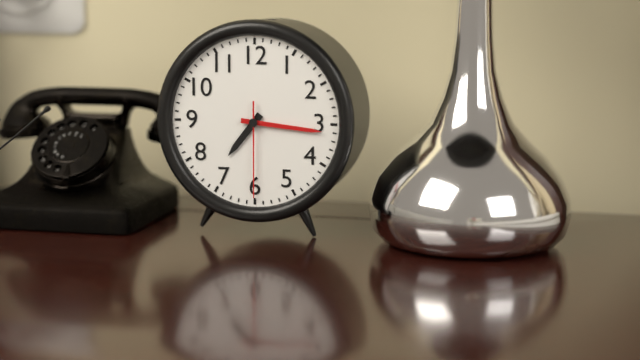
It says 7h16m30s
